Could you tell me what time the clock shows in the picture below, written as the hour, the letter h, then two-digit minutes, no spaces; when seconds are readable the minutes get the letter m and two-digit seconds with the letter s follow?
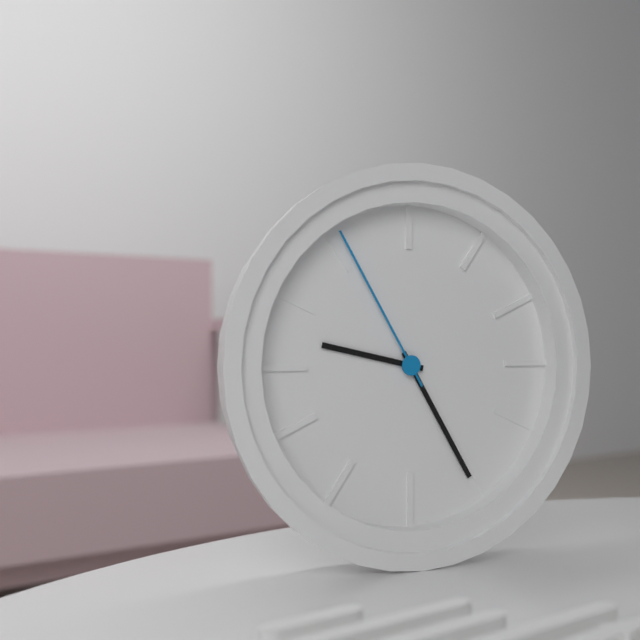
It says 9h25m55s
